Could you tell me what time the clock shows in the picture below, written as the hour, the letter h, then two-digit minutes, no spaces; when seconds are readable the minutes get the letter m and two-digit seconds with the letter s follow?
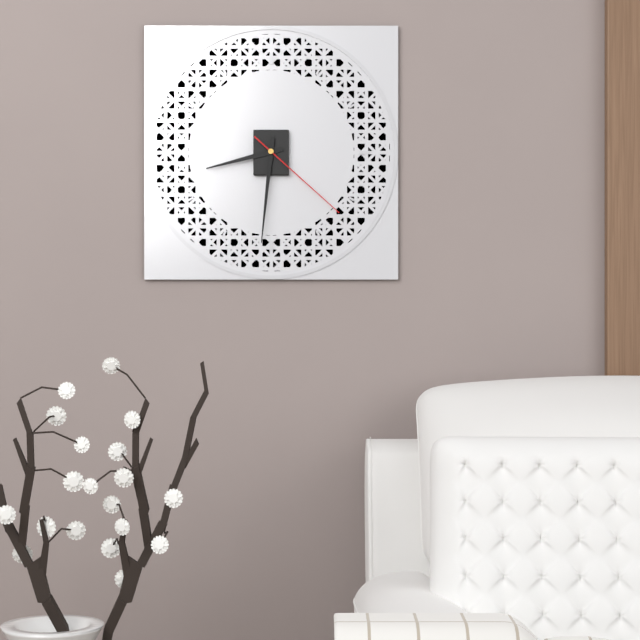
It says 8h31m22s
